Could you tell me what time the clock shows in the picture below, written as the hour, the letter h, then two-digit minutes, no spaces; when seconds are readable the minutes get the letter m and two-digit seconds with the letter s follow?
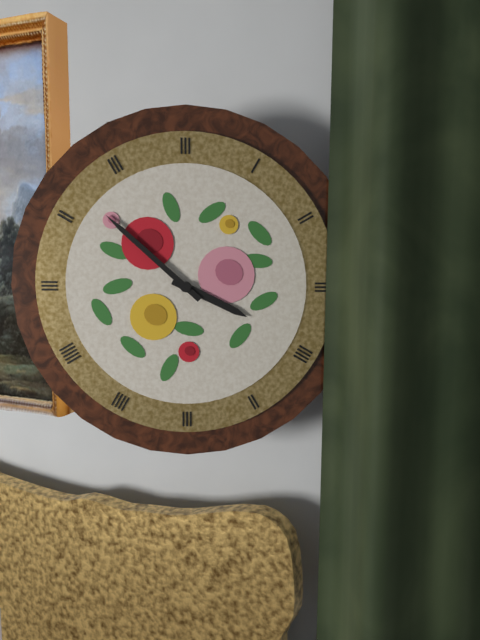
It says 3h52
